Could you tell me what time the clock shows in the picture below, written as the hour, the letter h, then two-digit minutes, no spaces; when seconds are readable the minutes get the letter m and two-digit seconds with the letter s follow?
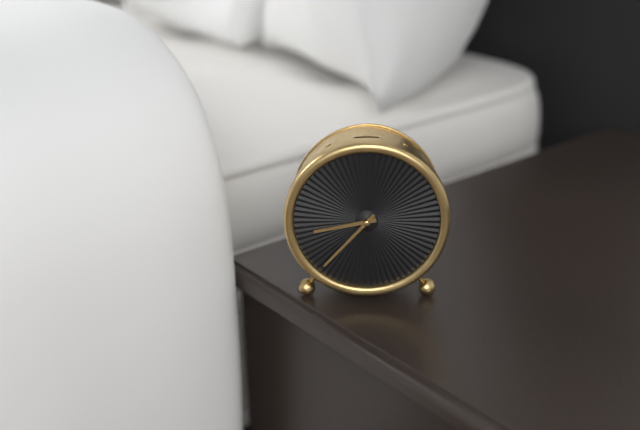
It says 8h37
